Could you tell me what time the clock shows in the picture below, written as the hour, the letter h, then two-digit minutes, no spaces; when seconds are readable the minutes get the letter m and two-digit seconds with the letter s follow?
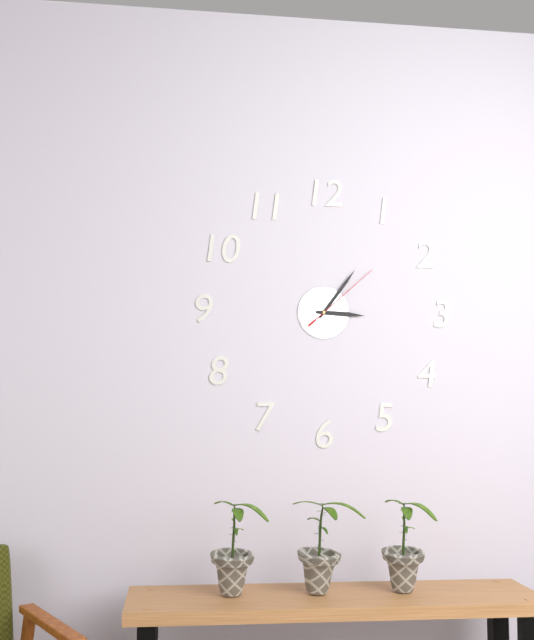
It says 3h06m08s
